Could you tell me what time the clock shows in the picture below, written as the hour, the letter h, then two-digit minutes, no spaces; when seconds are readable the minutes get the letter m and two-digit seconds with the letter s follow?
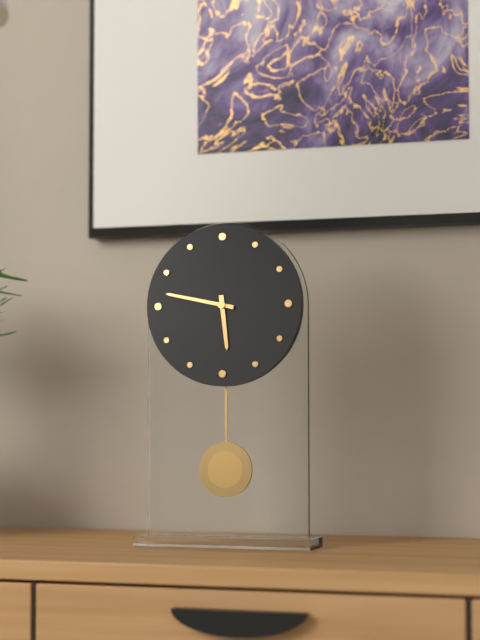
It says 5h47
